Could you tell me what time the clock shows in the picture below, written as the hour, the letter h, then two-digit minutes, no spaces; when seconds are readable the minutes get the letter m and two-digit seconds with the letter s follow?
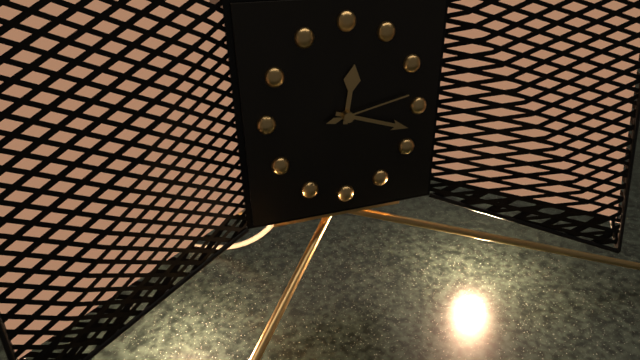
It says 12h18m13s
